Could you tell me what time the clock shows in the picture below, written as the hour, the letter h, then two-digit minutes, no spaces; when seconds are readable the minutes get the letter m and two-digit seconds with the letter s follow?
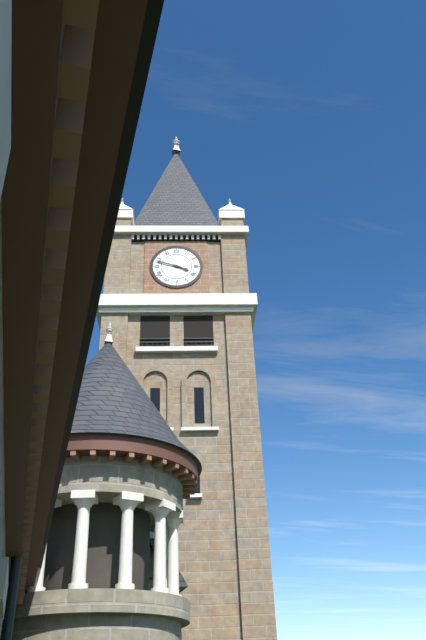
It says 3h48
